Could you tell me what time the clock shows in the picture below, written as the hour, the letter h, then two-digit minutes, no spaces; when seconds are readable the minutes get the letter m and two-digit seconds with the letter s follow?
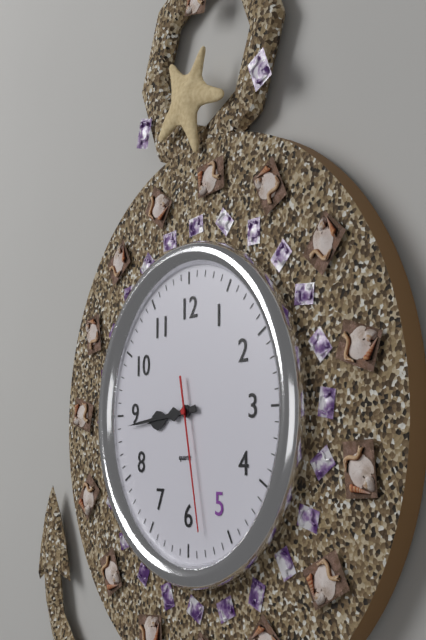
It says 8h44m28s
